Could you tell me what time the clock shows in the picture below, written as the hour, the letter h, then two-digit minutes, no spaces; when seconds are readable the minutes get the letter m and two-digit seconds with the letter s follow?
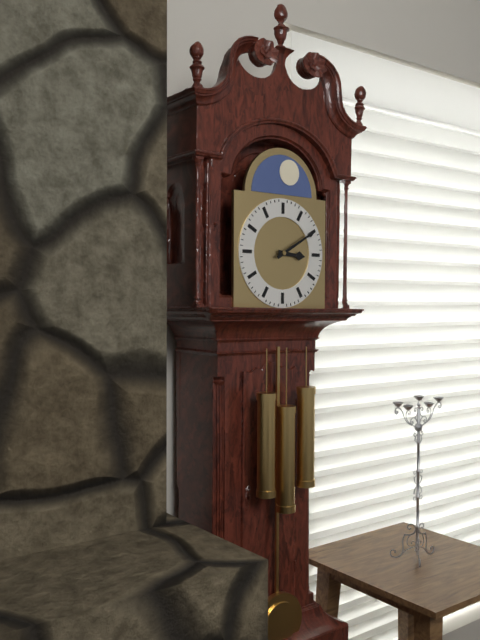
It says 3h10
